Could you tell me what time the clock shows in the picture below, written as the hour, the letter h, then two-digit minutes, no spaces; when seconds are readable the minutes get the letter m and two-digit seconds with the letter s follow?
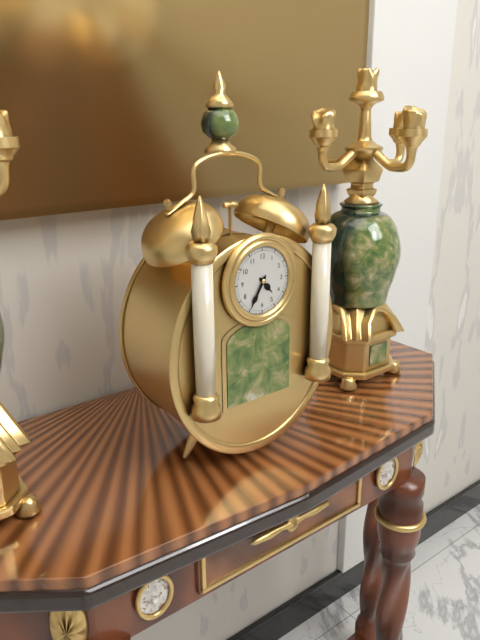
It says 4h35
